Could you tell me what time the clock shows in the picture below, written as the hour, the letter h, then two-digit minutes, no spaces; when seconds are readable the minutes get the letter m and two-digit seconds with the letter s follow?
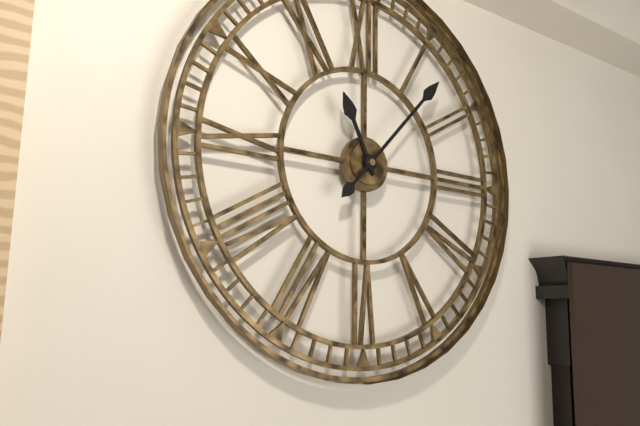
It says 11h07
